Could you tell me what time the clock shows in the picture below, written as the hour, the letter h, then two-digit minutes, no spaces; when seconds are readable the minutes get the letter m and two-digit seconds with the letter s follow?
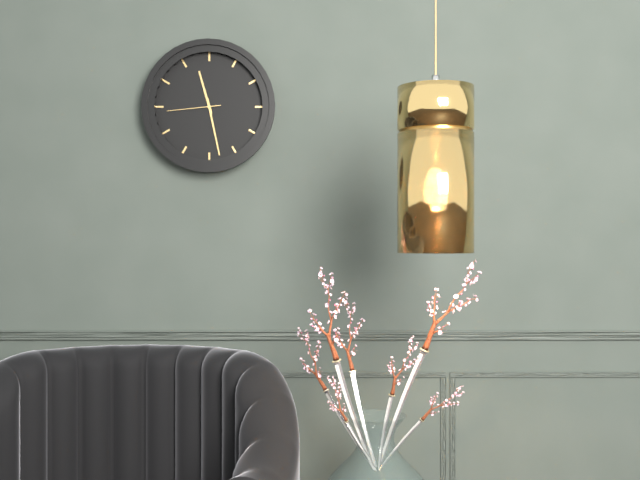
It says 11h28m44s
